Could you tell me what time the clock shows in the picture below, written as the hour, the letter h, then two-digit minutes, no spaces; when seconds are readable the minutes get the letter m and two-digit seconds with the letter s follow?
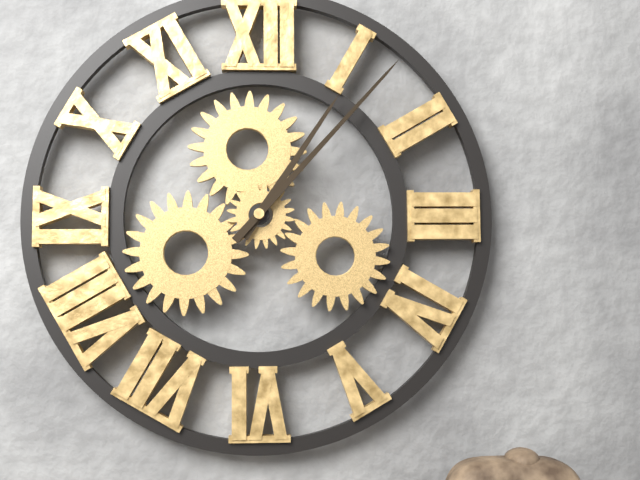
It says 1h07
